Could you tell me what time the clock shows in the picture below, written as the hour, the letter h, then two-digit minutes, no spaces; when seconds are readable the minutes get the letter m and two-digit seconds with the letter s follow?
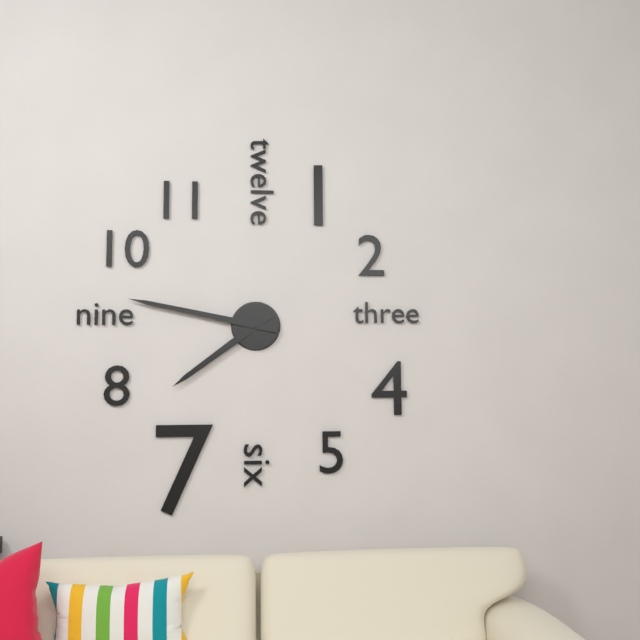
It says 7h47
